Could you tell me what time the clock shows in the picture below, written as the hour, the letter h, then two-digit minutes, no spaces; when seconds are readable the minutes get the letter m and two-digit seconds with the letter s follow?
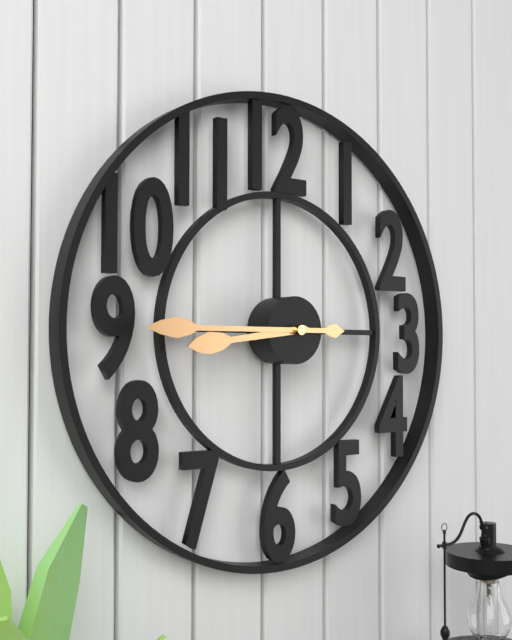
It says 8h45
